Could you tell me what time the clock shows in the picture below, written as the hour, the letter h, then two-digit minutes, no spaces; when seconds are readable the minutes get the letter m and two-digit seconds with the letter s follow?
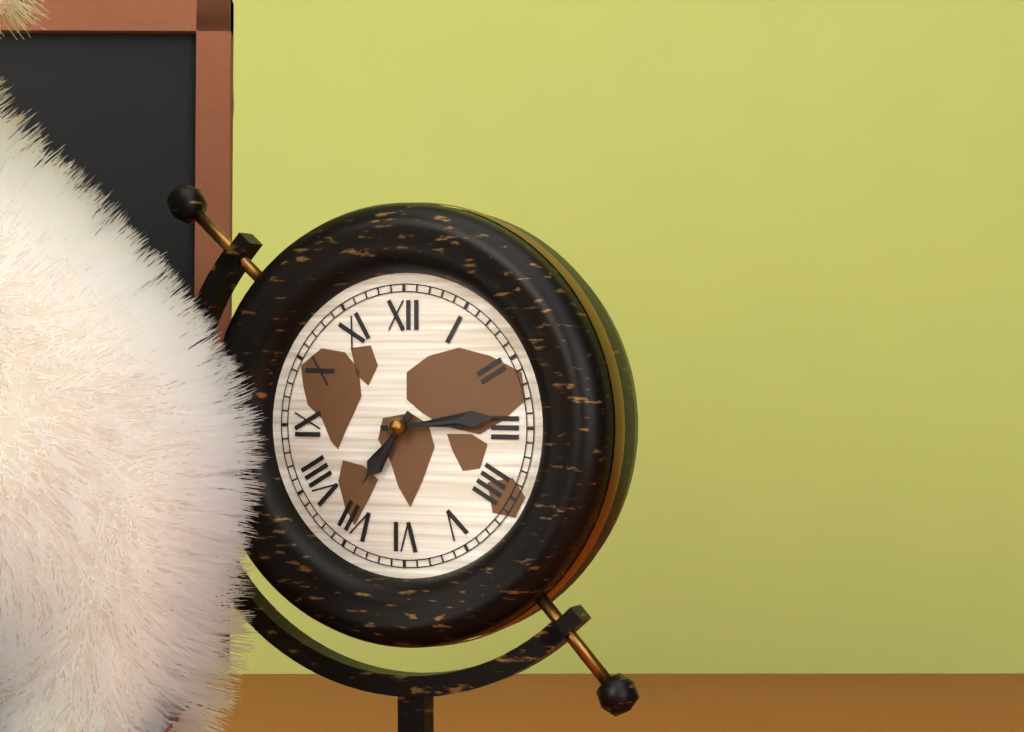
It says 7h14
